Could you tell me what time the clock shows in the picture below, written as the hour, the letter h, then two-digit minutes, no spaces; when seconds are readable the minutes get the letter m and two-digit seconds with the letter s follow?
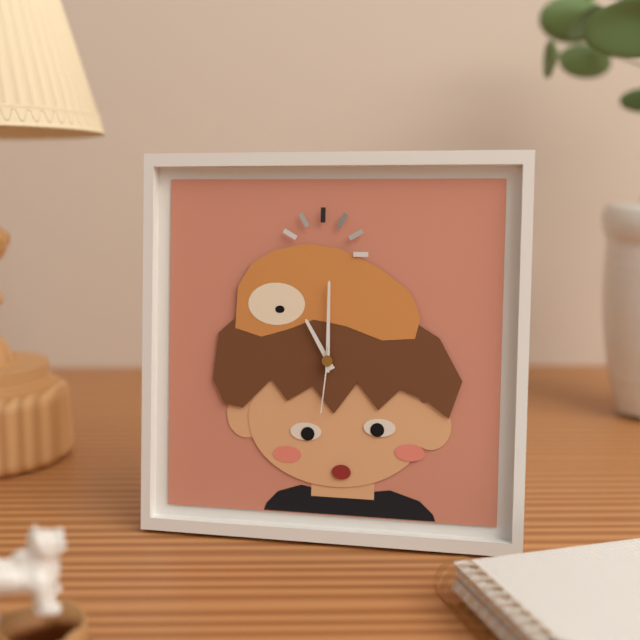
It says 11h00m31s
